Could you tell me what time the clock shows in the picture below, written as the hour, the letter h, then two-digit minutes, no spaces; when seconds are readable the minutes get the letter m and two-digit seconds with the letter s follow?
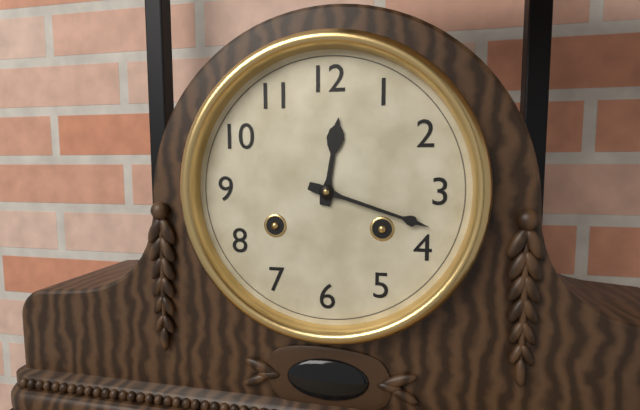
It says 12h18
